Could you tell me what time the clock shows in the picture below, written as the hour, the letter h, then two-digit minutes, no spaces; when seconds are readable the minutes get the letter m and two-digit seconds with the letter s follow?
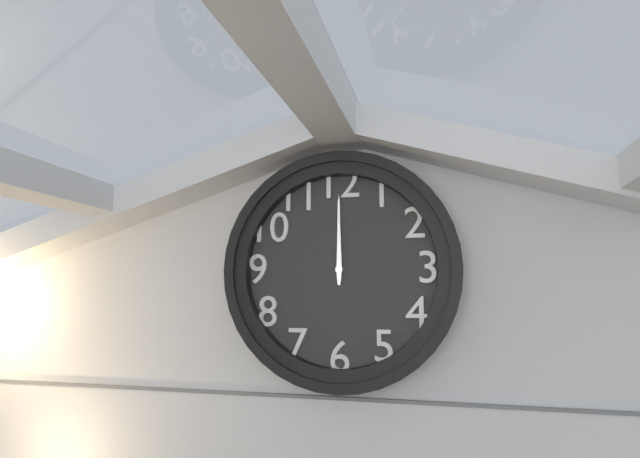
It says 12h00
